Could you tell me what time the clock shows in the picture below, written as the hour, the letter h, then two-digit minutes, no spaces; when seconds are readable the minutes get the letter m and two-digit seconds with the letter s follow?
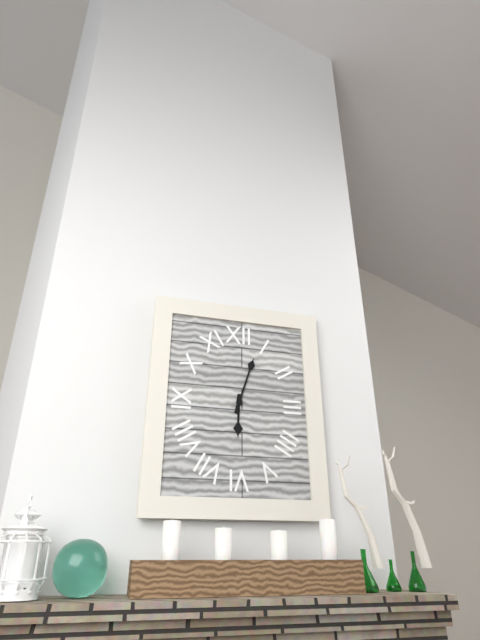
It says 6h03
